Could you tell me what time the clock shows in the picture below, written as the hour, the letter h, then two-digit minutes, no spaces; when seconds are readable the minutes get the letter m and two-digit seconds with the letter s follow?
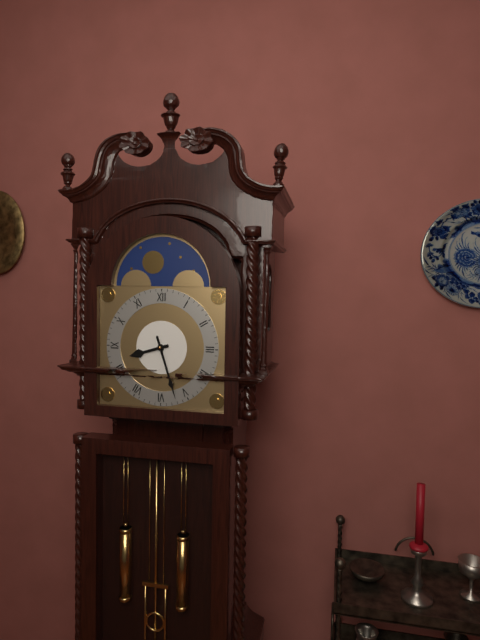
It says 8h27
